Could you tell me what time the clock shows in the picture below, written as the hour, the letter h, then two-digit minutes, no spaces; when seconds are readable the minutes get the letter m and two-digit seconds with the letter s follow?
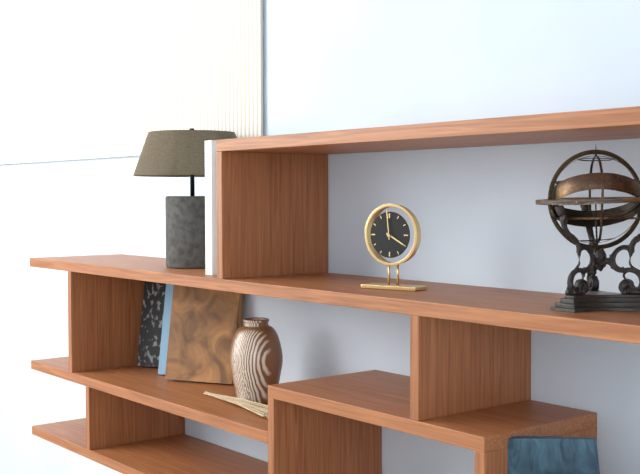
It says 3h59
